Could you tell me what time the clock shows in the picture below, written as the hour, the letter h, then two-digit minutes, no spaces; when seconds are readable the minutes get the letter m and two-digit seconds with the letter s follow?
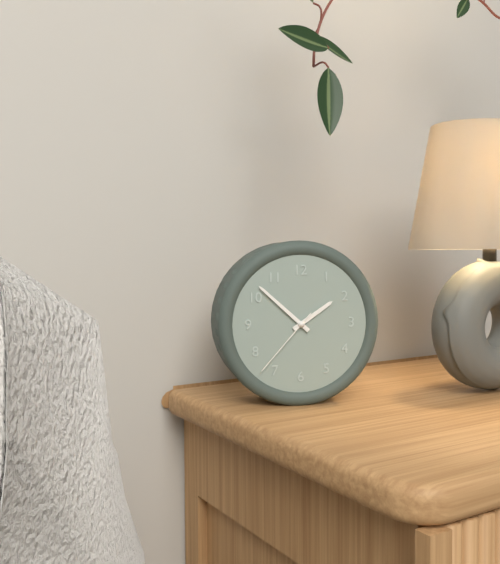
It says 1h52m37s
